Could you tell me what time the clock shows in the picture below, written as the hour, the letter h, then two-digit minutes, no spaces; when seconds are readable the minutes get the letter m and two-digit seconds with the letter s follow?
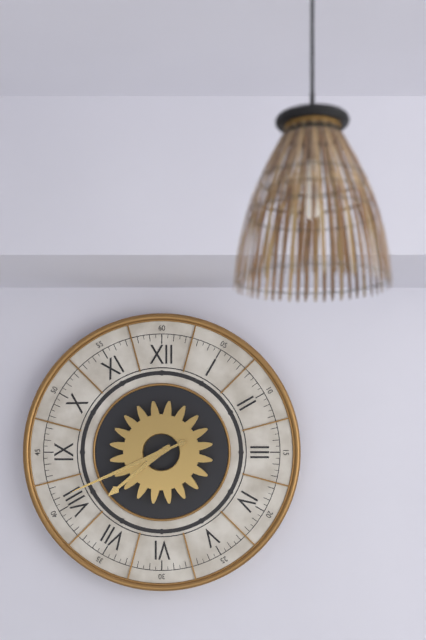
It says 7h41
